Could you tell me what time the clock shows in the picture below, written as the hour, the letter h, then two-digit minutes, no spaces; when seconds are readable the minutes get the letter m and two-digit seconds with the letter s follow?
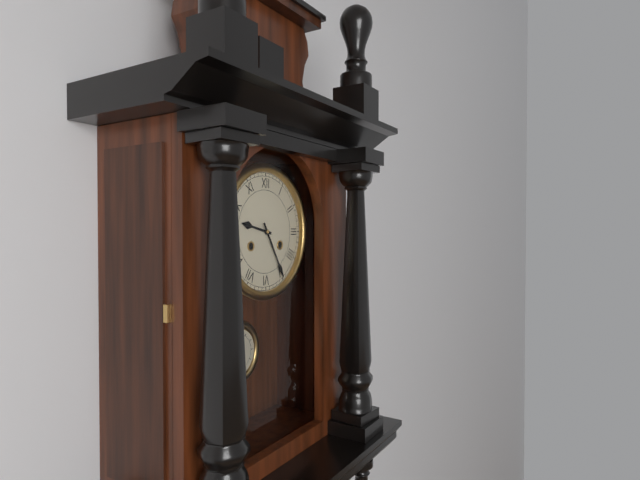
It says 9h25
